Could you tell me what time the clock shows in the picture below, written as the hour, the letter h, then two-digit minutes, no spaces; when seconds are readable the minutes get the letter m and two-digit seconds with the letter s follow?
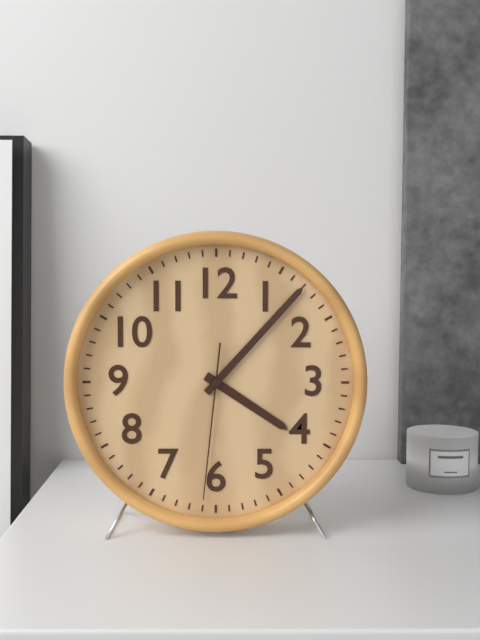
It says 4h07m31s
